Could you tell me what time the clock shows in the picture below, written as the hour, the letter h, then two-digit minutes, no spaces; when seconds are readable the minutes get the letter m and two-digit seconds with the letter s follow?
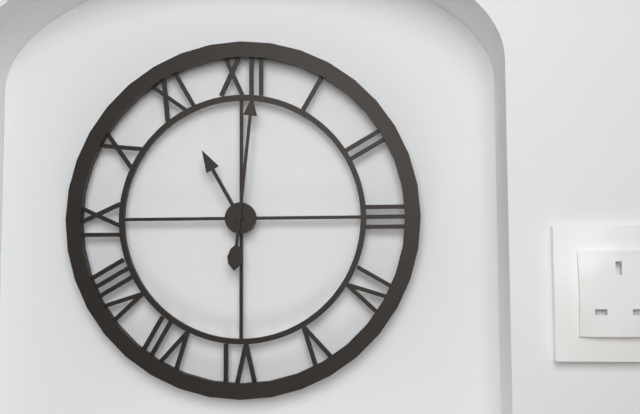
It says 11h01
